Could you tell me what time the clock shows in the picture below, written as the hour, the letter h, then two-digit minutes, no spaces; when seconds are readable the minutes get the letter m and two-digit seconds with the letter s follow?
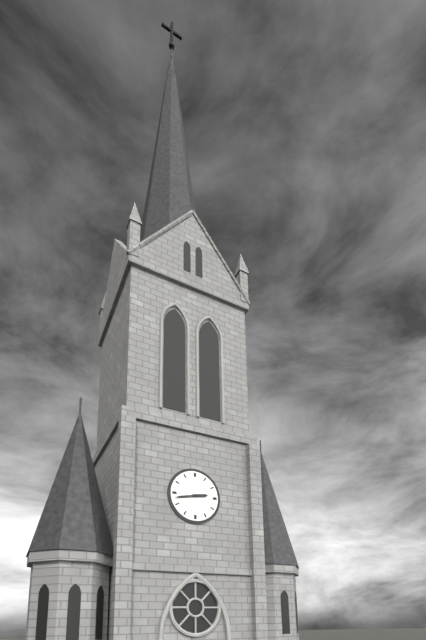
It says 2h43
